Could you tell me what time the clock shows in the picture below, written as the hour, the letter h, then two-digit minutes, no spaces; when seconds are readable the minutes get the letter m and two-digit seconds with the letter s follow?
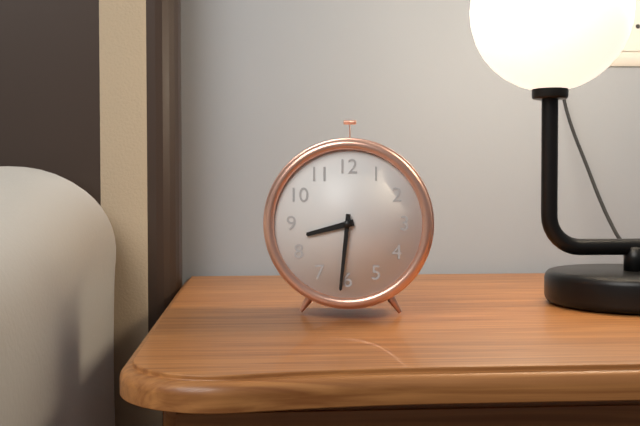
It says 8h31
